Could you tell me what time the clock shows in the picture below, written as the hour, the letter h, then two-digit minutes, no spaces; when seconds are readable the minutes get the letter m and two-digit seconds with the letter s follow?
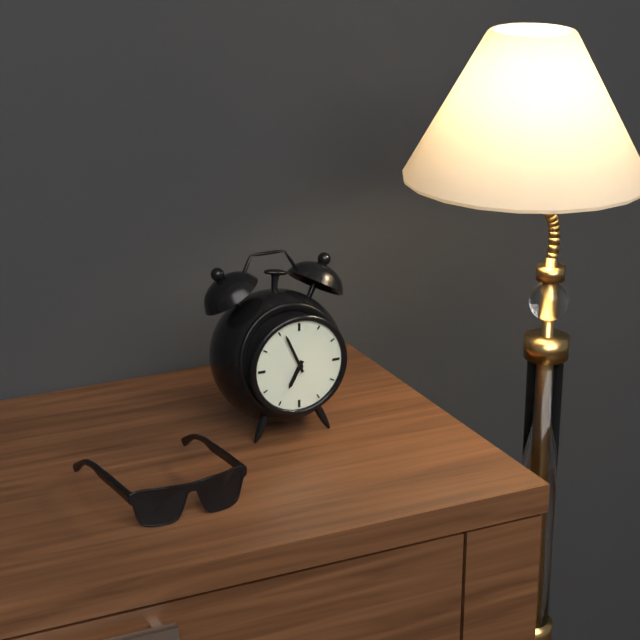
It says 6h56
